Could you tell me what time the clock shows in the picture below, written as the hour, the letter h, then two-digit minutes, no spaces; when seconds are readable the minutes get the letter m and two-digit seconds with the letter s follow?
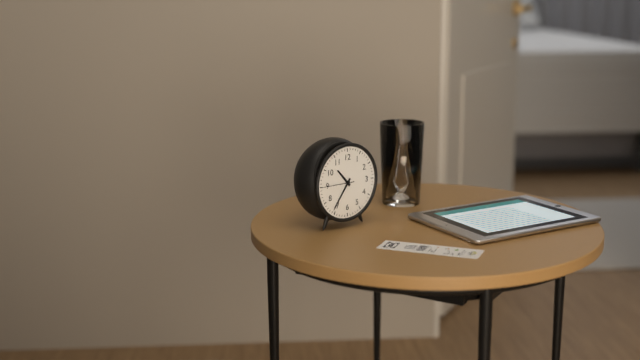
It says 10h36
